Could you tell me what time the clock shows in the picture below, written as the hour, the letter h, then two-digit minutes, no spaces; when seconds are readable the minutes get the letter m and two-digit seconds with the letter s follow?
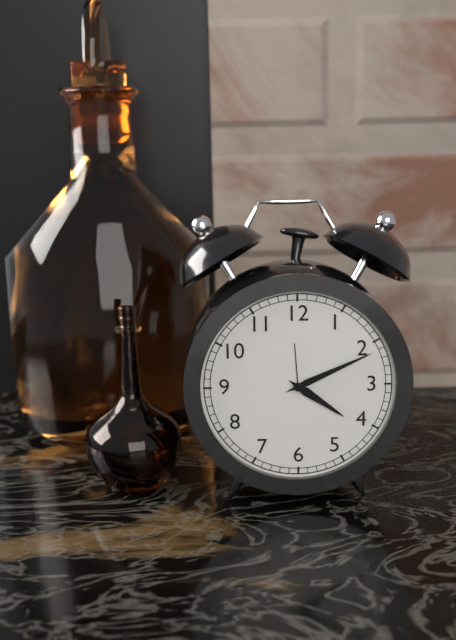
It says 4h11
